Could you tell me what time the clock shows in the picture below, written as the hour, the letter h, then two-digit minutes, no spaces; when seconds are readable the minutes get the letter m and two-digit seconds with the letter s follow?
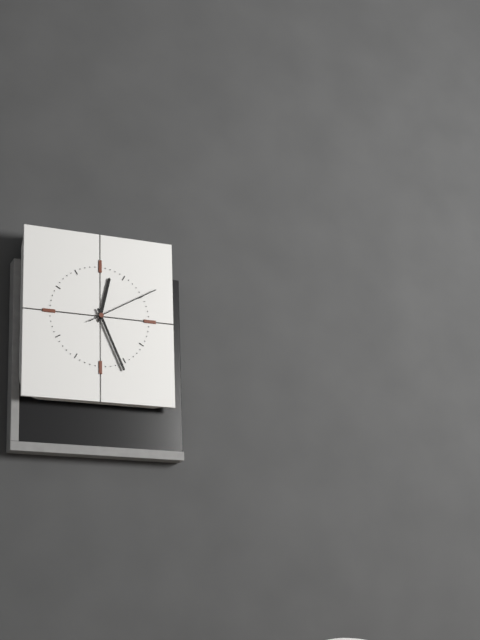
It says 12h26m10s
